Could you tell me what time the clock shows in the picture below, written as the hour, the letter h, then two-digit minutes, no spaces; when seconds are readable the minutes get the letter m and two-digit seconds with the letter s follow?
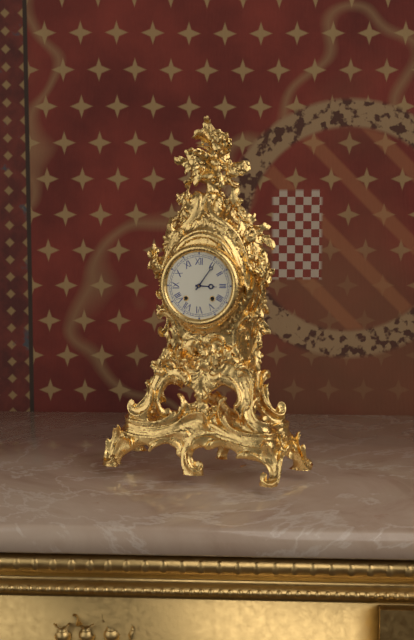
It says 3h06
